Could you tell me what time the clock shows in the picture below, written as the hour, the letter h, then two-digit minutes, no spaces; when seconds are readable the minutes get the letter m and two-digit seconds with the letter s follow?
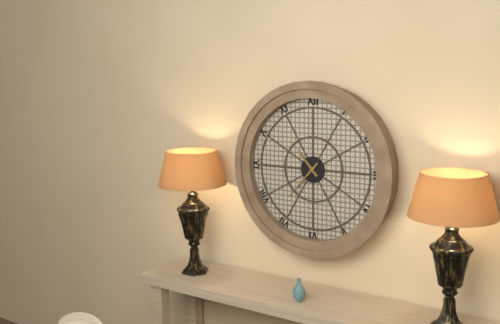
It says 10h37
